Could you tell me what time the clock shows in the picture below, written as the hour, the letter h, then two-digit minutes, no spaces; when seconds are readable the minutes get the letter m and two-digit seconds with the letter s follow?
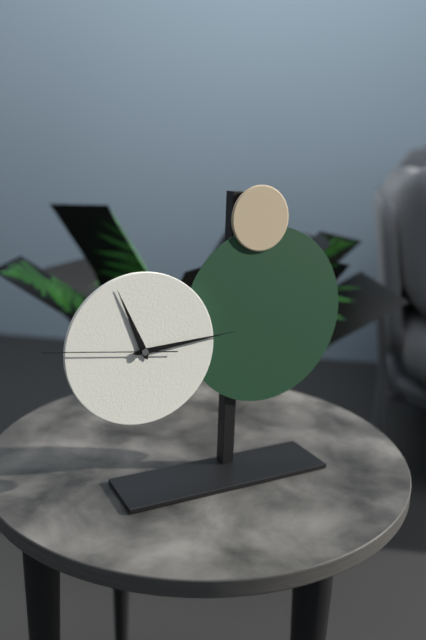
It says 11h14m46s
